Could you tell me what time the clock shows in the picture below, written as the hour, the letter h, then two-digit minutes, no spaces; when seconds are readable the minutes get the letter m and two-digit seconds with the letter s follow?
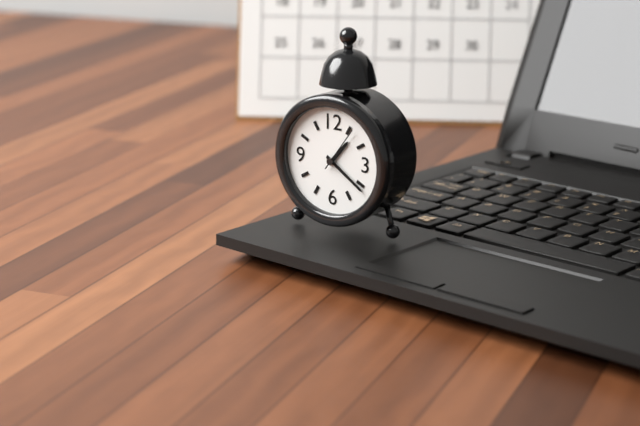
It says 1h21
